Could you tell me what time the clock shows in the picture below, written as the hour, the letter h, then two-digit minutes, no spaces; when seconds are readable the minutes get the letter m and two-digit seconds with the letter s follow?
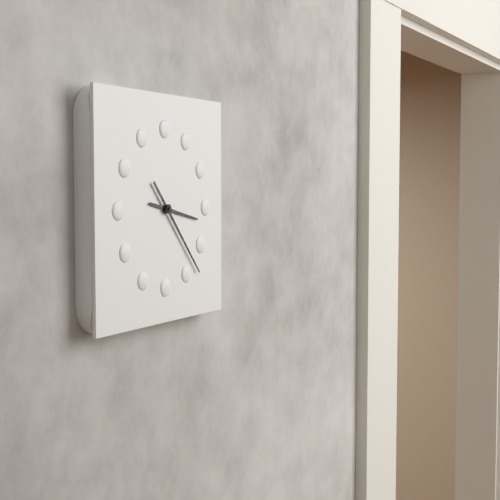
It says 3h23
